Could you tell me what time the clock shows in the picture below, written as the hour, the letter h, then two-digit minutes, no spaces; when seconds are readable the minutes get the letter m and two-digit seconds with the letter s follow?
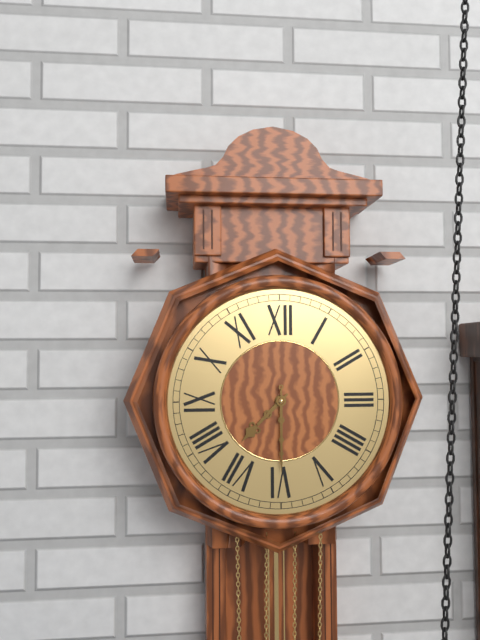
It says 7h30
